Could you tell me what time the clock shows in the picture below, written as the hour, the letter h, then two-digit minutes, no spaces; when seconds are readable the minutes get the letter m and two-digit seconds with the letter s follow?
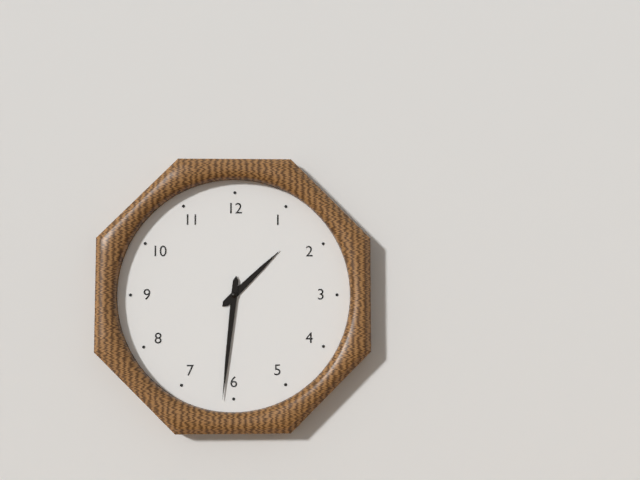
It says 1h31
